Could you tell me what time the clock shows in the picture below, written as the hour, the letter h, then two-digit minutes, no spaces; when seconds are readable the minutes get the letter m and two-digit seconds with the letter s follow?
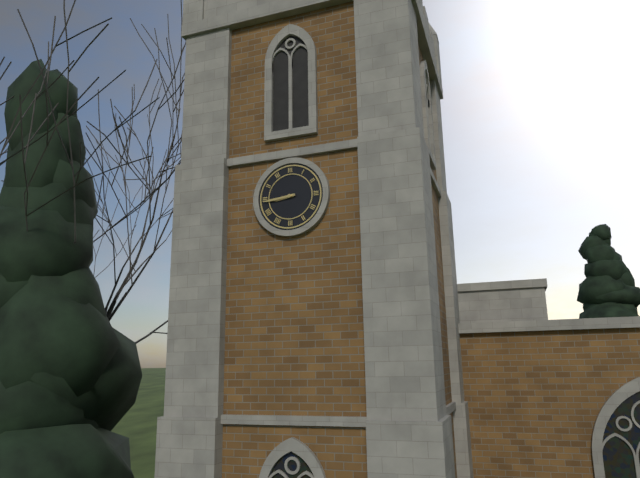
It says 8h44
